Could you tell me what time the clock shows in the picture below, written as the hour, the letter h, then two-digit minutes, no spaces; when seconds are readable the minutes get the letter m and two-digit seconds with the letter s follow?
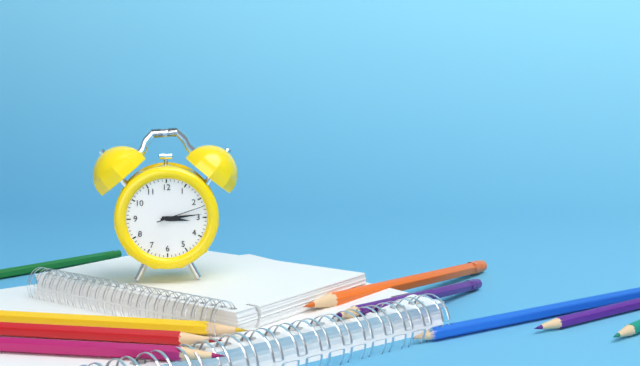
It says 3h14
